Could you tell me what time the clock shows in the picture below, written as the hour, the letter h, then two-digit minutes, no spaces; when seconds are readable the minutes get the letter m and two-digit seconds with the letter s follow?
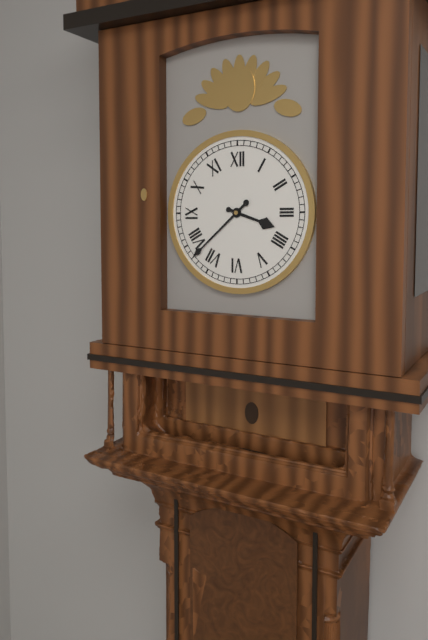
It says 3h38
